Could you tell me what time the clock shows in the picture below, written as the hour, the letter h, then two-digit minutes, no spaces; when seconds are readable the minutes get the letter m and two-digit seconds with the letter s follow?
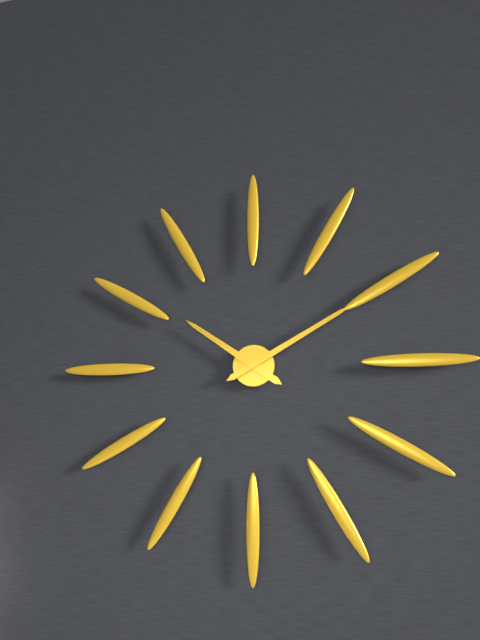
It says 10h10
